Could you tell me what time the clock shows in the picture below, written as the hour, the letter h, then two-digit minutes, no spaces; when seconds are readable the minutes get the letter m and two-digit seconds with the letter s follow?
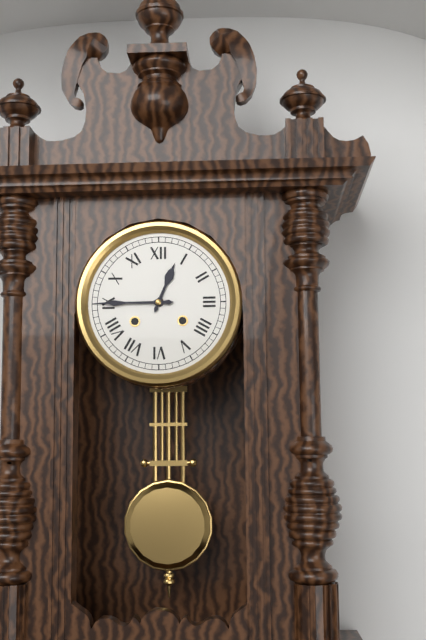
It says 12h45
